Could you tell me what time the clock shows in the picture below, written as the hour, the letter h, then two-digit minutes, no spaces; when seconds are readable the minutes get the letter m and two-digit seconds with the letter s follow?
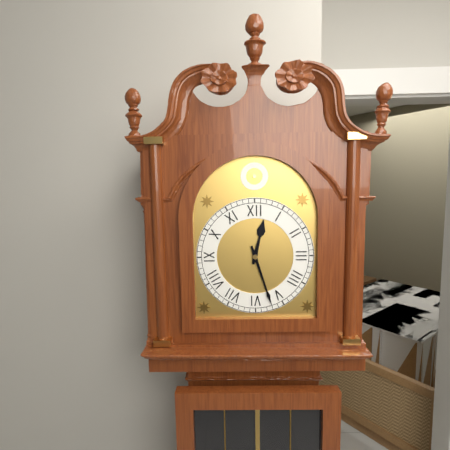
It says 12h27
